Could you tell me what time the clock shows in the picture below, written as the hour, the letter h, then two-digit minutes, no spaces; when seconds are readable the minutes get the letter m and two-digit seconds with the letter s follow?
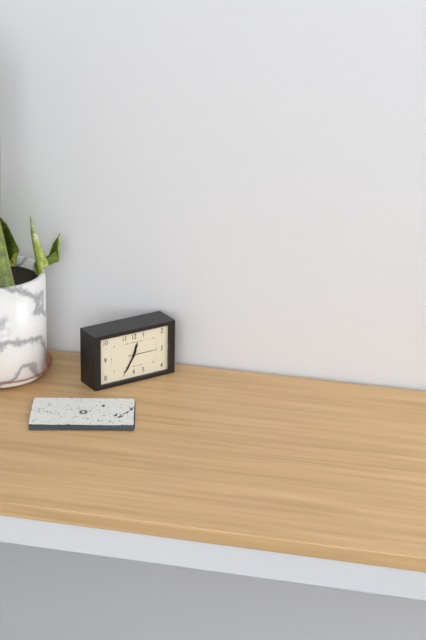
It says 12h35
